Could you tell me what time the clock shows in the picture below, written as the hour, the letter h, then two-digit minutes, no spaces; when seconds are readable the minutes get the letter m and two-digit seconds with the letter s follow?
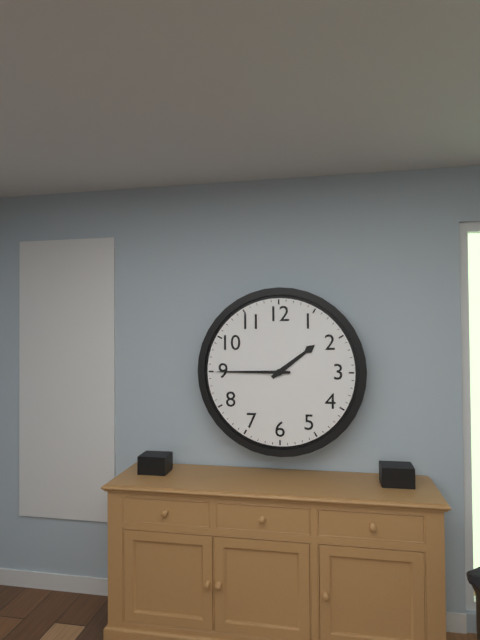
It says 1h45
